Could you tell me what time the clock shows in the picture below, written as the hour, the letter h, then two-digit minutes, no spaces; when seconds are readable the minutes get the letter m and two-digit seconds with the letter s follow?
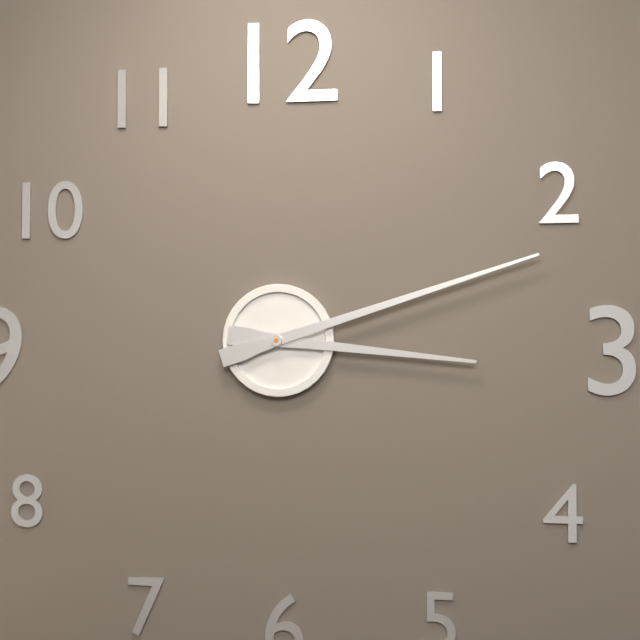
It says 3h12
